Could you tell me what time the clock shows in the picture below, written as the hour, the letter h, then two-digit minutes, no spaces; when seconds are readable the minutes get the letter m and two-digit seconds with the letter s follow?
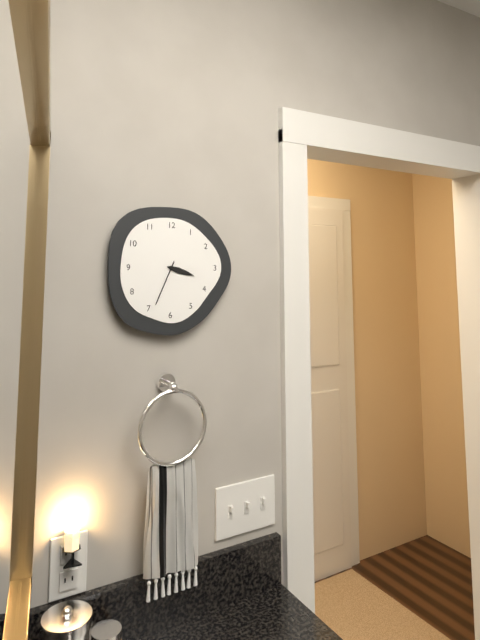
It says 3h34
